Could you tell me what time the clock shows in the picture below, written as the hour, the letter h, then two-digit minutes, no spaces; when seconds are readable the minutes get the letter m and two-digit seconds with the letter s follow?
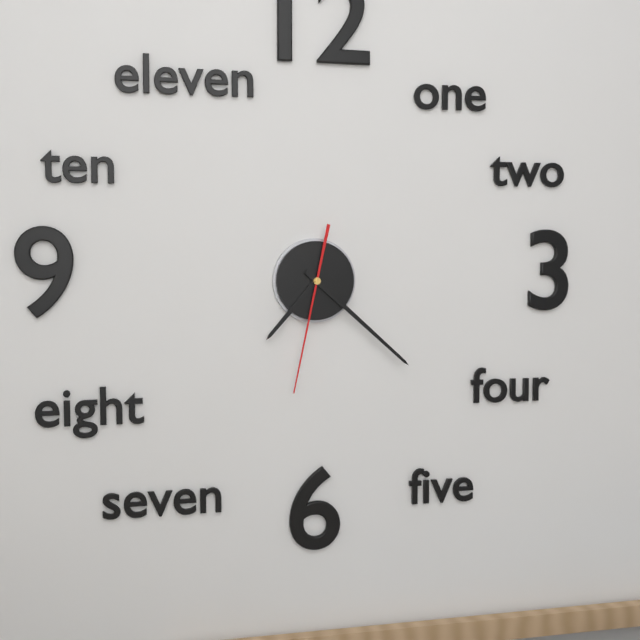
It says 7h22m32s
